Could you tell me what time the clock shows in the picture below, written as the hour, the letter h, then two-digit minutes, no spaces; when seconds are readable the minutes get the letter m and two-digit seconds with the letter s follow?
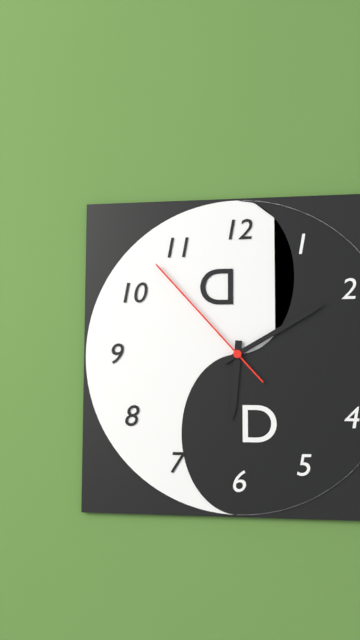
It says 6h10m53s
